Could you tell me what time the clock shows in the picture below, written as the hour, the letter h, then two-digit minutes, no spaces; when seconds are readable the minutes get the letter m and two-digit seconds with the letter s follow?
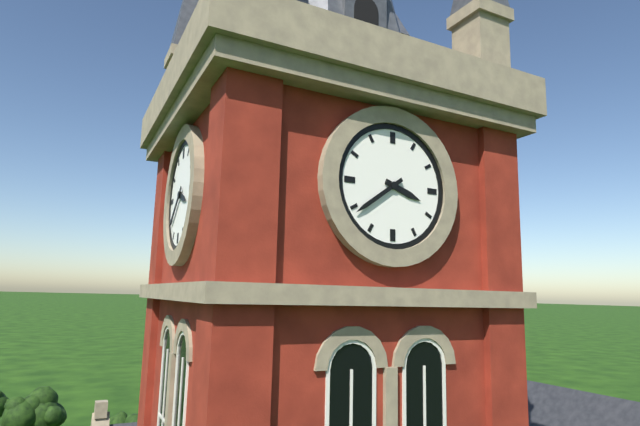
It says 3h39
